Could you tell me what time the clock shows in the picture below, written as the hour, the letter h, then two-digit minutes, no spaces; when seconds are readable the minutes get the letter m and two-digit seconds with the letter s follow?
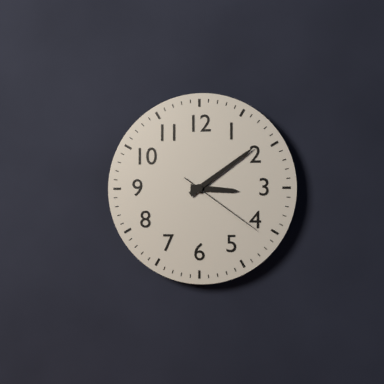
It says 3h09m21s
